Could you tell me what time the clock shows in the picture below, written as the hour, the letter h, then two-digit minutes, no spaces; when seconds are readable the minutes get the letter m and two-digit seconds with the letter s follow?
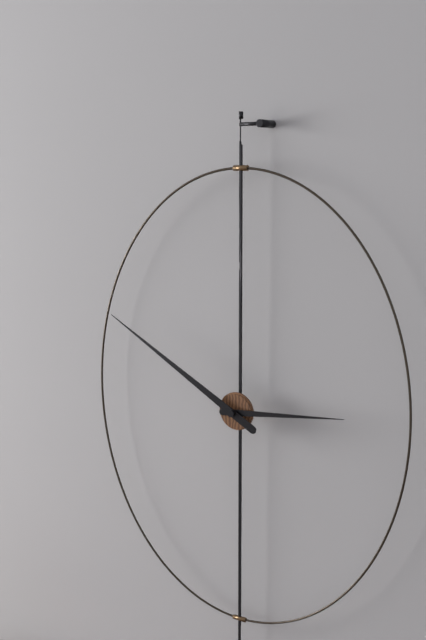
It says 2h50
